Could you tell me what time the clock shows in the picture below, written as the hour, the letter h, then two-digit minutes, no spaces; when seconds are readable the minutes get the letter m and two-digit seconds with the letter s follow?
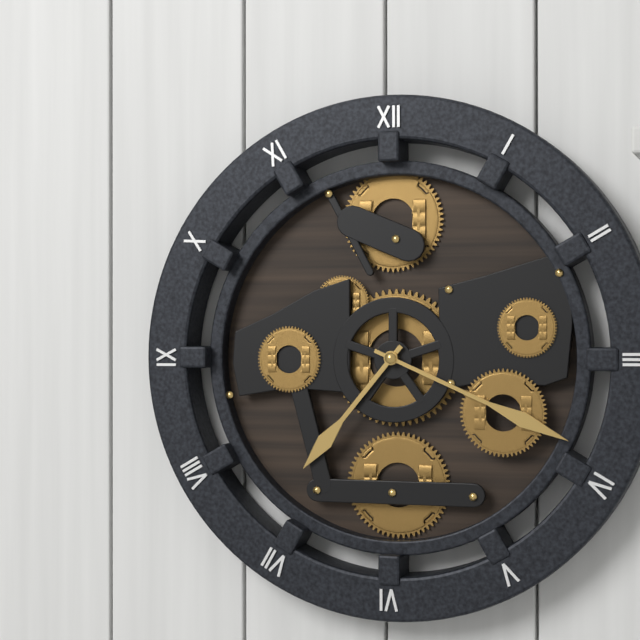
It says 7h19
